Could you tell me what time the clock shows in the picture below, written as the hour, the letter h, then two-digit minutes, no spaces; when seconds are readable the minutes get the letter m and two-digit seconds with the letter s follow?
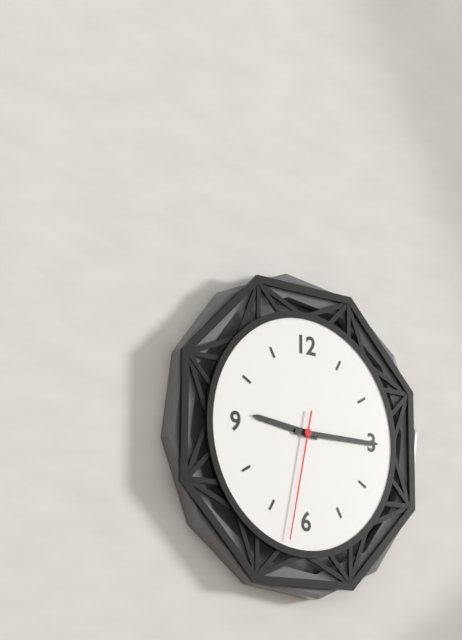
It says 9h15m32s
